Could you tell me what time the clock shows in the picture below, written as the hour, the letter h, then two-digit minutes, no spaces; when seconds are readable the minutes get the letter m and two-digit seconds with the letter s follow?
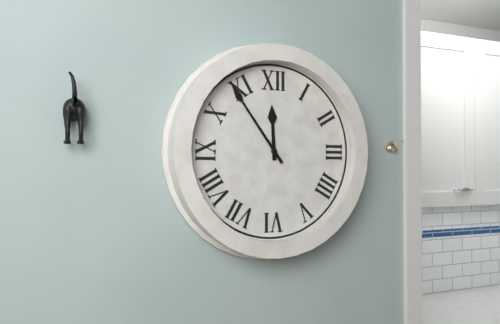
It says 11h54
